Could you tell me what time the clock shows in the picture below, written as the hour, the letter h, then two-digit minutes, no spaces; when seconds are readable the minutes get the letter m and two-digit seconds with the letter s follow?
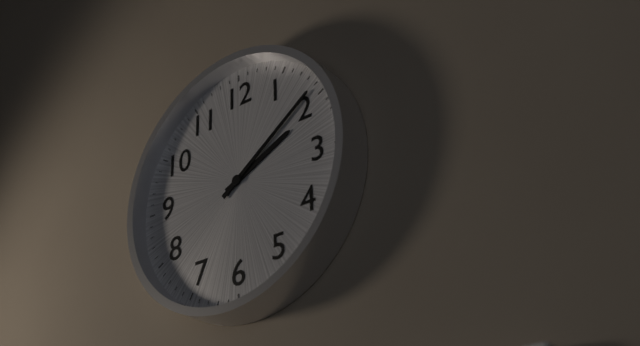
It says 2h09
